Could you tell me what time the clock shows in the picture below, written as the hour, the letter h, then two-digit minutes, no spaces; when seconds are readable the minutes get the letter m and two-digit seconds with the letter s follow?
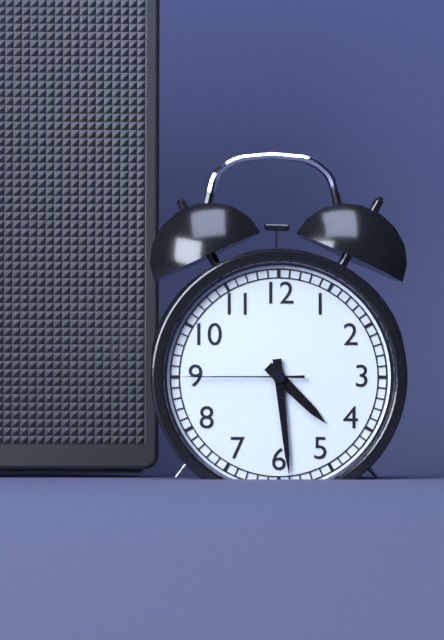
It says 4h29m45s
